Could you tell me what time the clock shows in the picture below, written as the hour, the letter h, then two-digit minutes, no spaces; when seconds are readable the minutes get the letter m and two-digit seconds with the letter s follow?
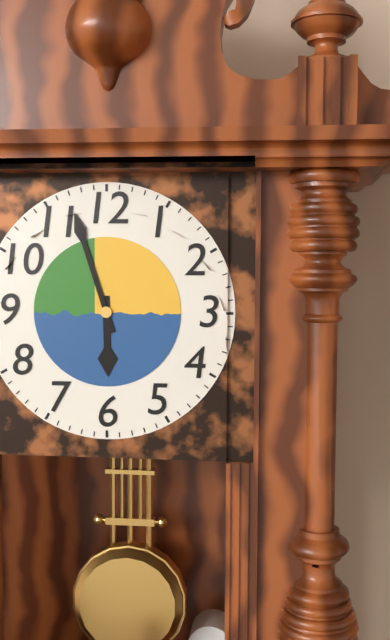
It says 5h57
